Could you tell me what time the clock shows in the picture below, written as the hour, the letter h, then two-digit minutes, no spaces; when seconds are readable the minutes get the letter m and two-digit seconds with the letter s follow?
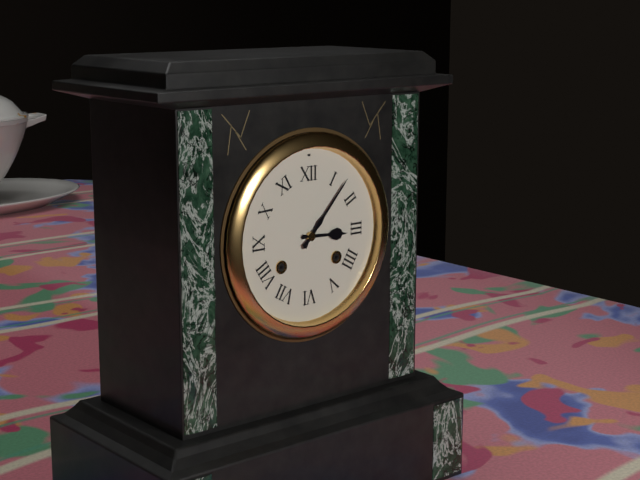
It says 3h07
